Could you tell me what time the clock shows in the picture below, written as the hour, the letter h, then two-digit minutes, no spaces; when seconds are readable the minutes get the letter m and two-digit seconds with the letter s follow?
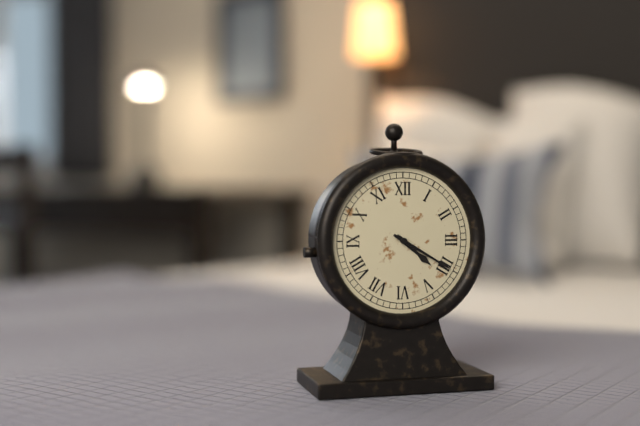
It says 4h20
